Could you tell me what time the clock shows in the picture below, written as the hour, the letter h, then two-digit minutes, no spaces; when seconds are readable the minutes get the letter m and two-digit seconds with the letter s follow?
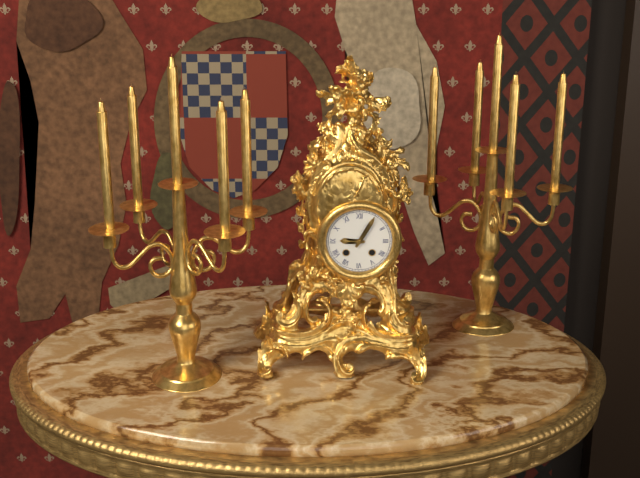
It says 9h05
